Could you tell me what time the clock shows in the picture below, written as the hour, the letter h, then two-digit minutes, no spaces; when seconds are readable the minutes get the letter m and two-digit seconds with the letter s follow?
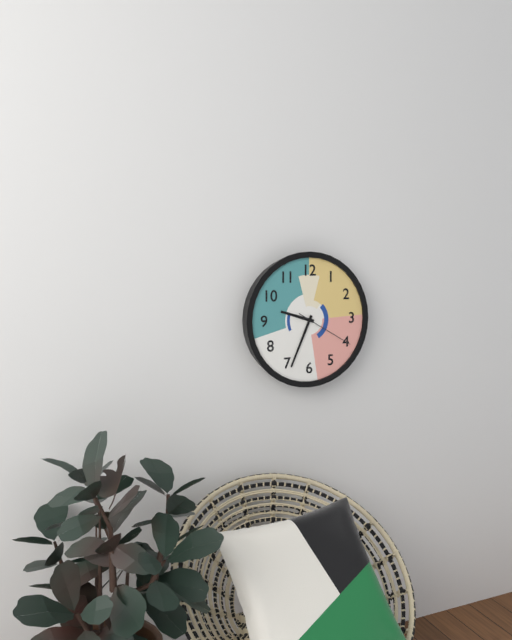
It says 9h34m20s
